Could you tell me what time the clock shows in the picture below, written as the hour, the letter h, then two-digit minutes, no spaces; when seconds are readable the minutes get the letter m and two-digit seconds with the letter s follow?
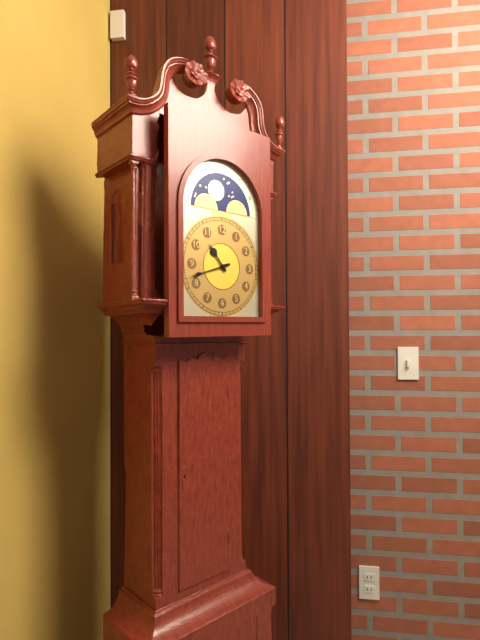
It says 10h42
